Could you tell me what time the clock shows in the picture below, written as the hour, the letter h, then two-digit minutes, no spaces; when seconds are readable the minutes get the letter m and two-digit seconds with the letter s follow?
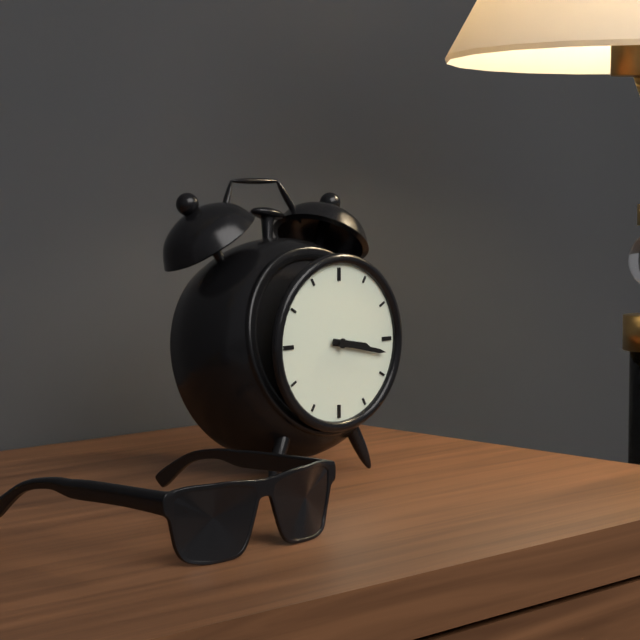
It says 3h17
